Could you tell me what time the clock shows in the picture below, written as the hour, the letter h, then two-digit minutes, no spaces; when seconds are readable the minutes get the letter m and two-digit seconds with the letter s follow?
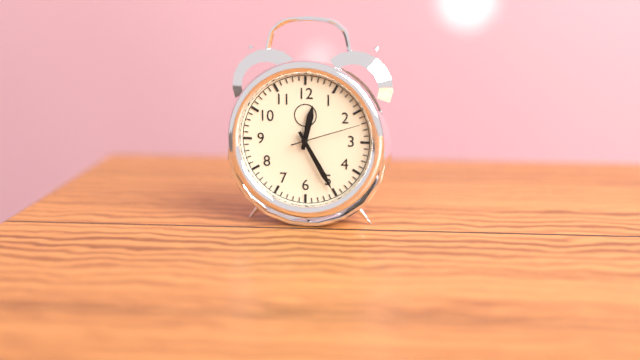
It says 12h25m12s
